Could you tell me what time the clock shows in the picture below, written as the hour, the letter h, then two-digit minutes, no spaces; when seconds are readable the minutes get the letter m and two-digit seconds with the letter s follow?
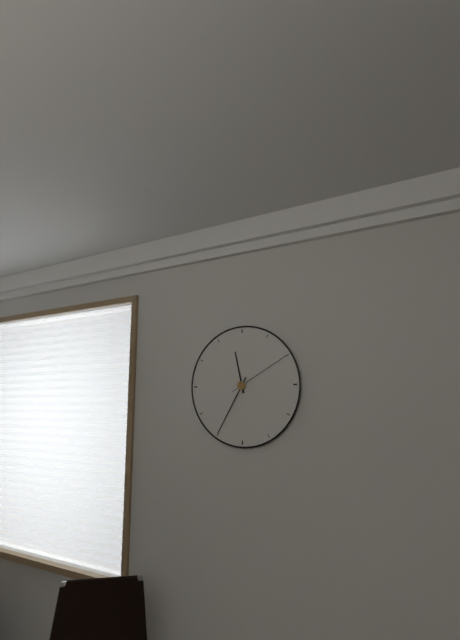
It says 11h35m10s
